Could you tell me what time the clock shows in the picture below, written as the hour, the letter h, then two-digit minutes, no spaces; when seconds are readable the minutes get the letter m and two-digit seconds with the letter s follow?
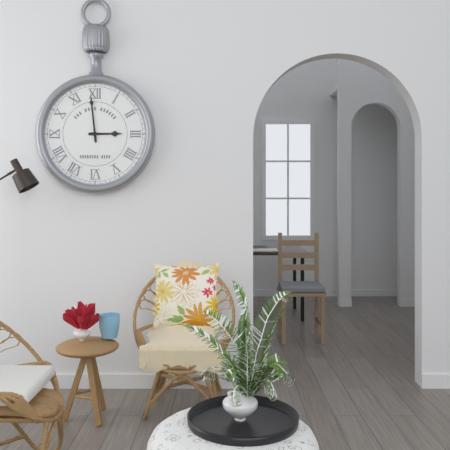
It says 2h59
